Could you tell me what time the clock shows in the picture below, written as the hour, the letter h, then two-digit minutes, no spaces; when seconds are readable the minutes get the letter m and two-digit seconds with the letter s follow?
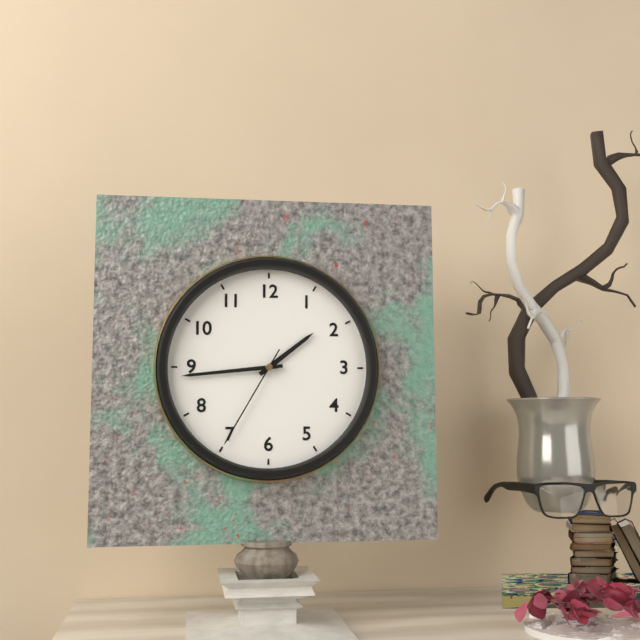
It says 1h44m35s
